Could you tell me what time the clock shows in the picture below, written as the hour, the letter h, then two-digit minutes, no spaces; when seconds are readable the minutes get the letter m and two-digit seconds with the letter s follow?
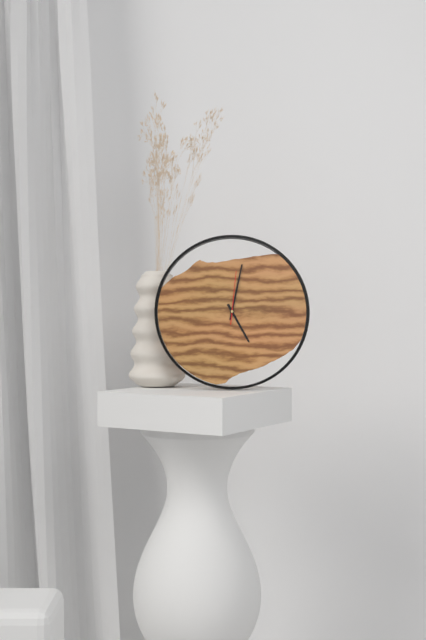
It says 5h02m01s
